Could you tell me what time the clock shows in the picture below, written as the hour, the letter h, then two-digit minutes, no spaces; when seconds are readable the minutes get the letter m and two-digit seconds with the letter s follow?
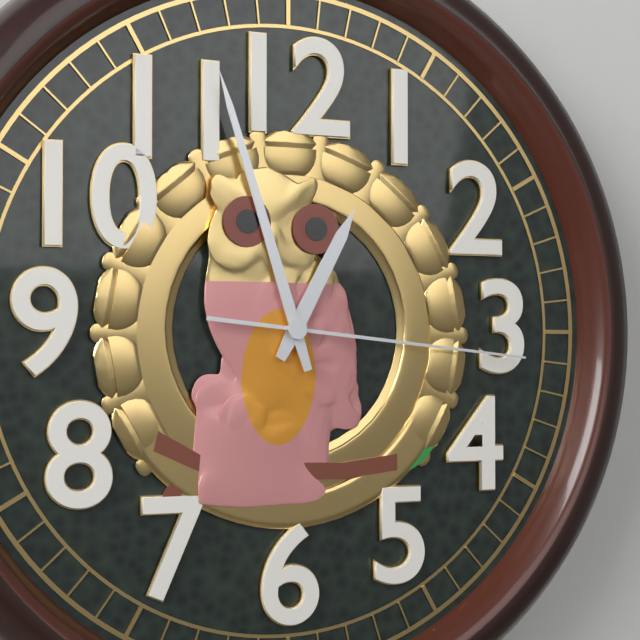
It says 12h57m16s
